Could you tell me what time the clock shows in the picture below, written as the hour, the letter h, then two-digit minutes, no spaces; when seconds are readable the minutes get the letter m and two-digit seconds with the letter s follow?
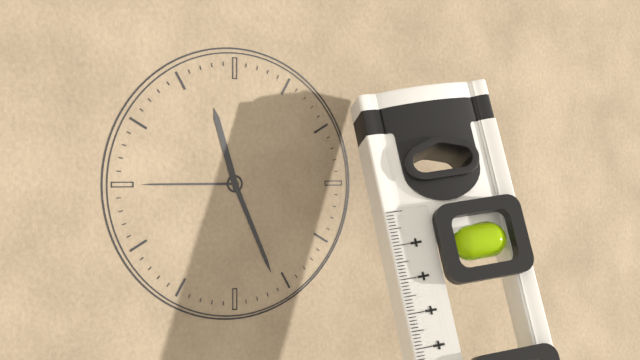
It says 11h26m45s
